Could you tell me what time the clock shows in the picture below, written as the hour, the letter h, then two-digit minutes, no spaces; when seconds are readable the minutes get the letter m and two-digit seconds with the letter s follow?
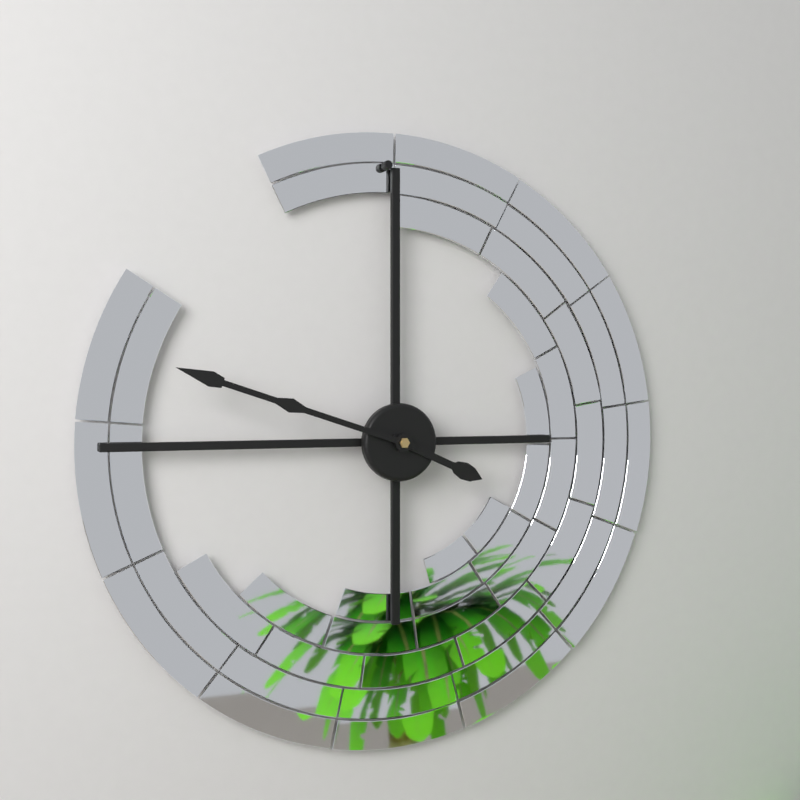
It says 3h48
